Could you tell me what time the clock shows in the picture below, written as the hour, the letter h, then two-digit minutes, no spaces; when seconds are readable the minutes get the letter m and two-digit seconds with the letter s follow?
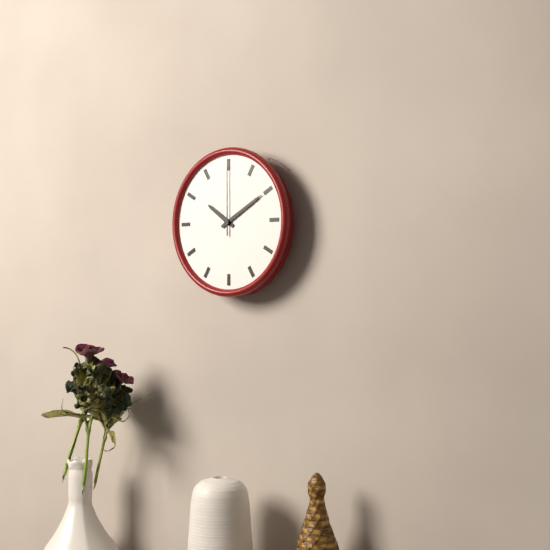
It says 10h10m00s
